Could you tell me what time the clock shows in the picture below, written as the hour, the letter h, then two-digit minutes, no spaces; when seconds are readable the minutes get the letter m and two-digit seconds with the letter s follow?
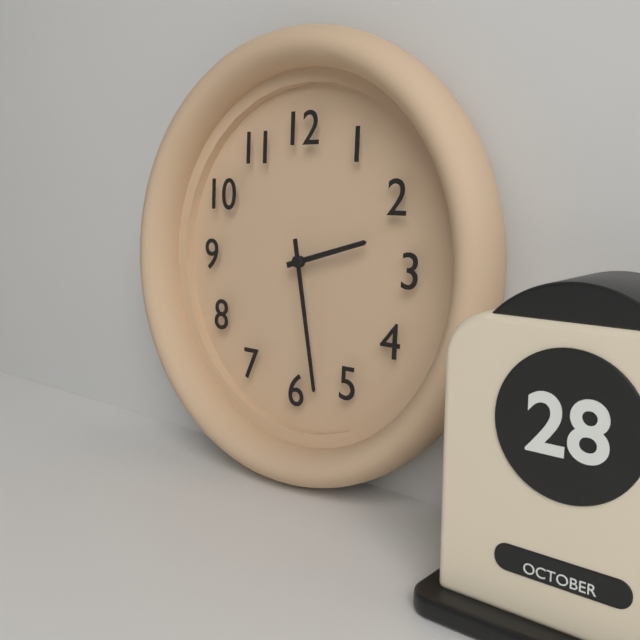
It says 2h28
